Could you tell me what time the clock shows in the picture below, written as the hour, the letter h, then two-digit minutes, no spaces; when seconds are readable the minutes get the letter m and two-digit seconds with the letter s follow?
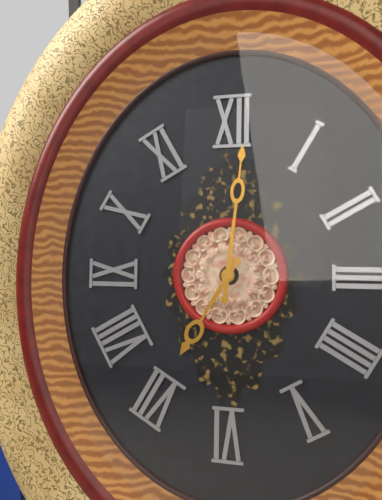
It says 7h01
